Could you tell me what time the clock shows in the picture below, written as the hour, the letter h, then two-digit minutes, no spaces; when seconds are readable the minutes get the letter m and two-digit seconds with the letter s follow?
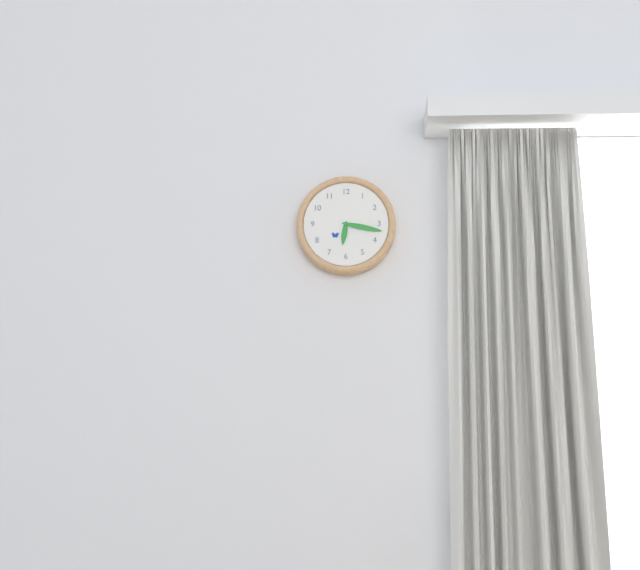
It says 6h17
